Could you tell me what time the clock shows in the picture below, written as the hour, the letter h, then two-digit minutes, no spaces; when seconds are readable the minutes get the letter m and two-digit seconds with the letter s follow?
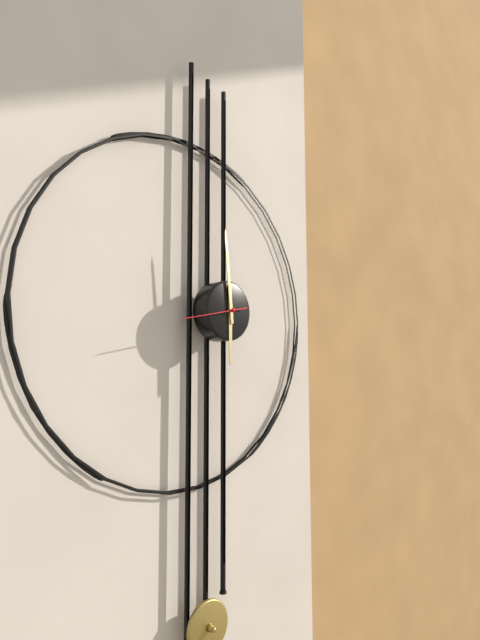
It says 5h59m43s
